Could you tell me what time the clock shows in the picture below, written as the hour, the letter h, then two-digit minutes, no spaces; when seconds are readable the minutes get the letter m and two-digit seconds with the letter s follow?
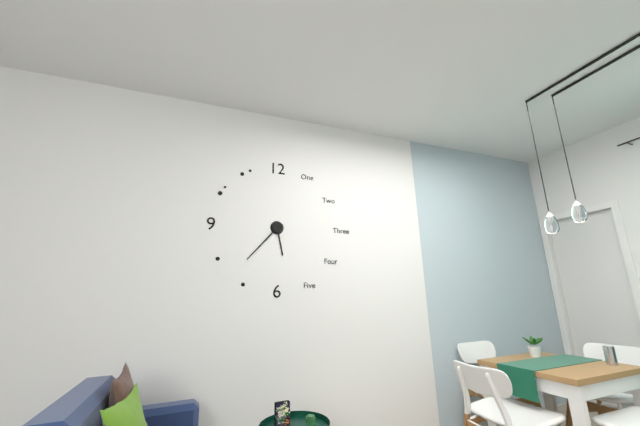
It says 5h37
